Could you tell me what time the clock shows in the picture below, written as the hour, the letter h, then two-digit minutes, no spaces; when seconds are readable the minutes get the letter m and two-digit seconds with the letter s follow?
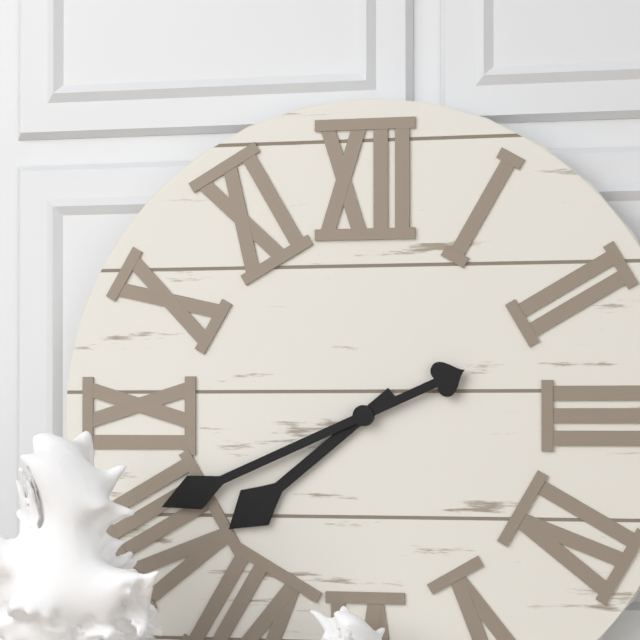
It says 7h41
